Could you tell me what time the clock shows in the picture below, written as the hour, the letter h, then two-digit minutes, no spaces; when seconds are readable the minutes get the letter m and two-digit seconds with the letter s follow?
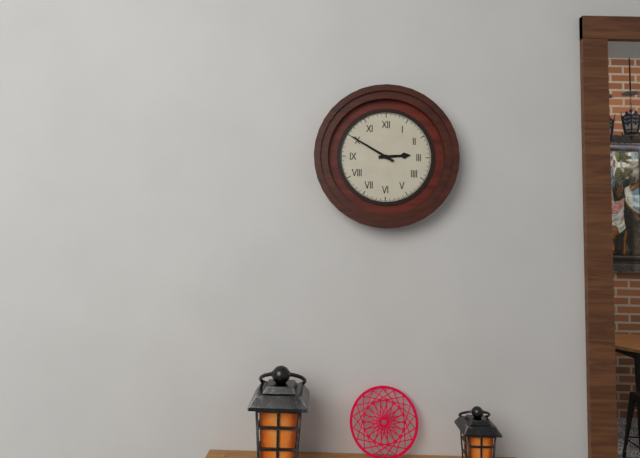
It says 2h50
